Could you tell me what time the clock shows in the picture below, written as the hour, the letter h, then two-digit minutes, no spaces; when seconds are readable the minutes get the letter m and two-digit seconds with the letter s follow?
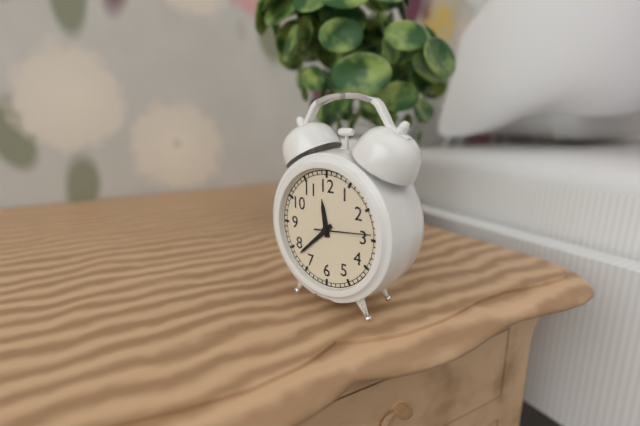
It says 11h38m14s
